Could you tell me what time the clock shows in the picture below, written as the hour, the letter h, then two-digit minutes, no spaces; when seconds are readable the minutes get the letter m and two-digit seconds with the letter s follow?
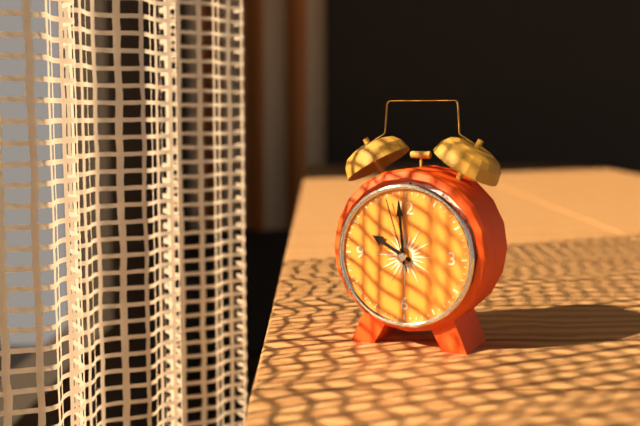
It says 9h59m57s
